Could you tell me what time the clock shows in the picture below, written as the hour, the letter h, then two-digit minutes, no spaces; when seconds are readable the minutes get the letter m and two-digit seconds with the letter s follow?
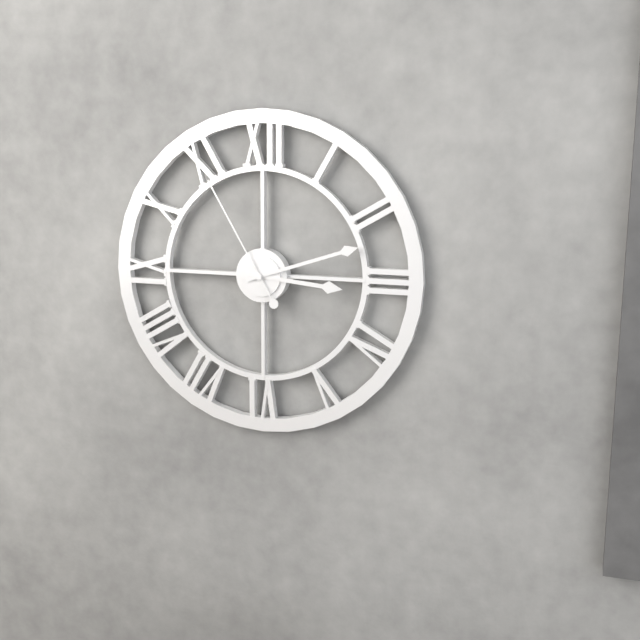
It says 3h12m55s
